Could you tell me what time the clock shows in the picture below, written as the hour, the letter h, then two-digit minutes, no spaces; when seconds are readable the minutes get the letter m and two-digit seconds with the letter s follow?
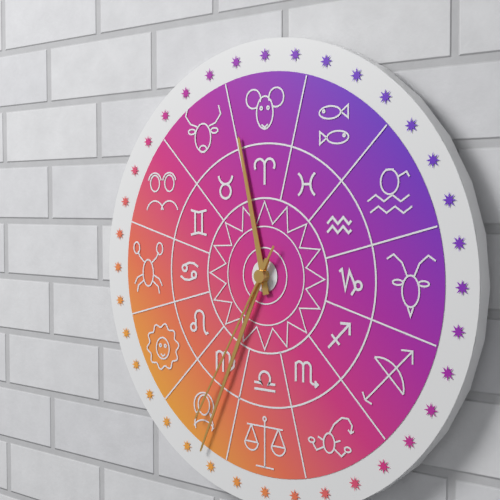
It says 11h34m35s
